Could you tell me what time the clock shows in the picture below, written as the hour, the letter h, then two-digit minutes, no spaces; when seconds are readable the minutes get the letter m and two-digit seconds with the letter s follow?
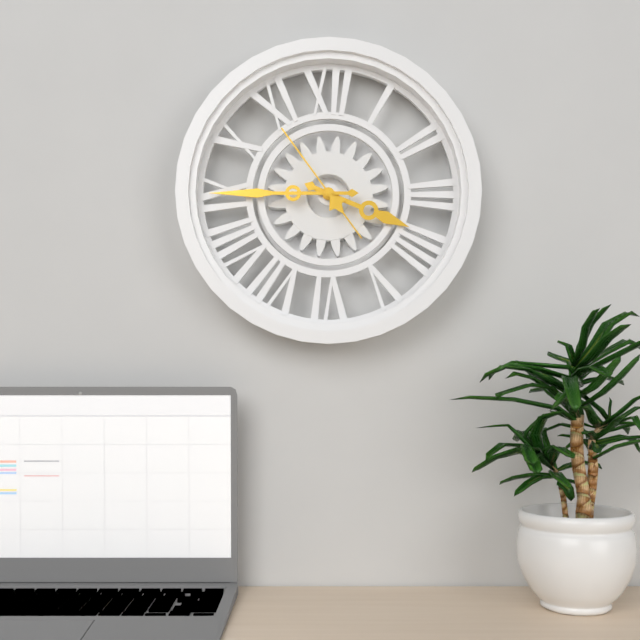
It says 3h45m54s
